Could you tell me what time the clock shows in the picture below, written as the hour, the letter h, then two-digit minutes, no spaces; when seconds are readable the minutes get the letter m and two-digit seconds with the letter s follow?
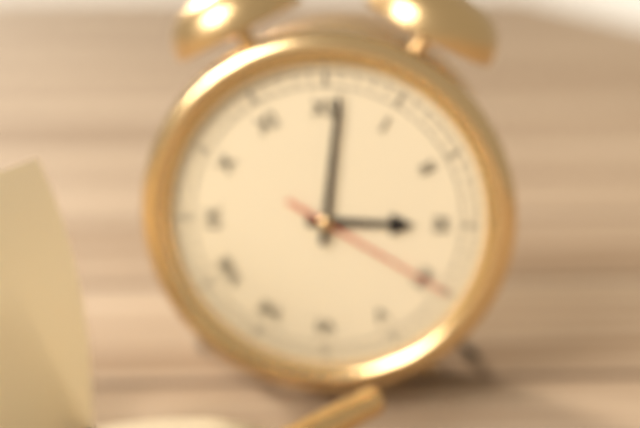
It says 3h01m20s
